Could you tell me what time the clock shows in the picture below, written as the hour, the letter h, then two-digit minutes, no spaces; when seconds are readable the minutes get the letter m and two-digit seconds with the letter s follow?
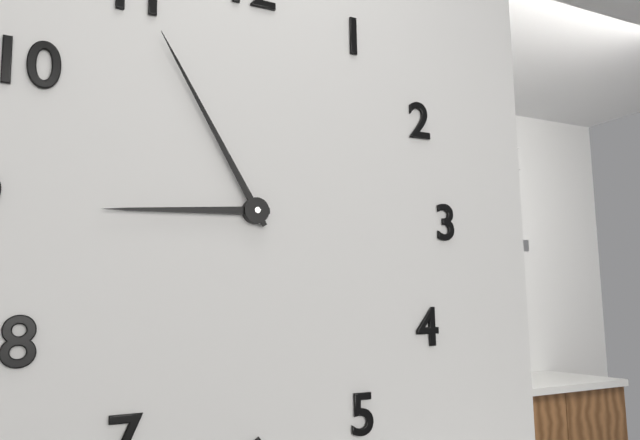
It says 8h55
